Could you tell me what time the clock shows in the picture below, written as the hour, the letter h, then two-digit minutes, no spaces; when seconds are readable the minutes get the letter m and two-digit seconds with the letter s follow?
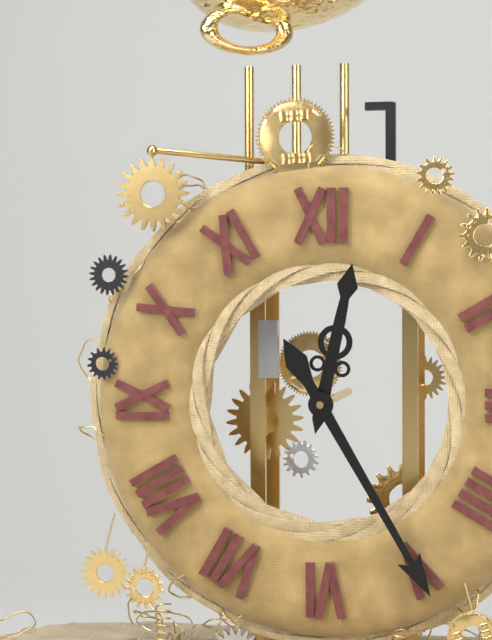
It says 12h25
